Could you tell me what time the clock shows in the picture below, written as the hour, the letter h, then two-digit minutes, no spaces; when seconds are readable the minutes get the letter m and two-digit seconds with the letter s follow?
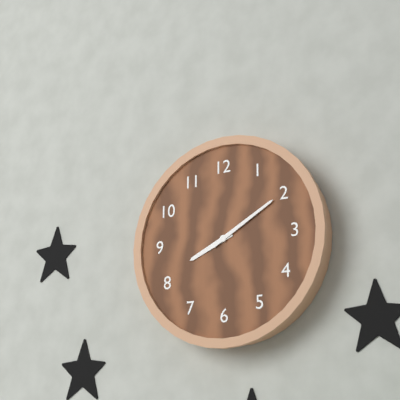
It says 8h10
